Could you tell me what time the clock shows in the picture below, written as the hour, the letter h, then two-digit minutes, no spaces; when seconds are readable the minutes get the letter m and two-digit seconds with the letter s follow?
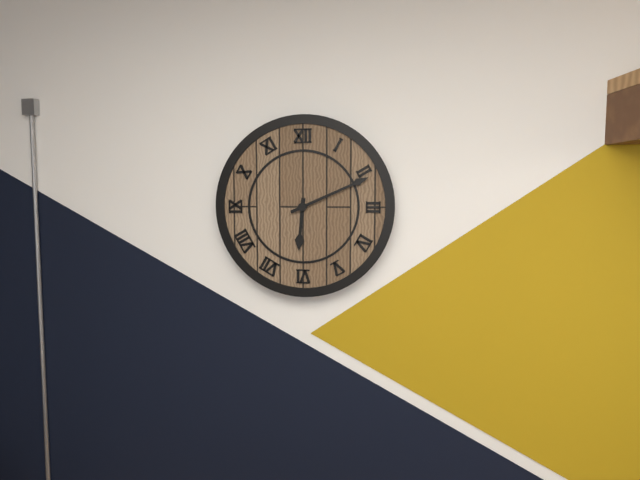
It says 6h11
